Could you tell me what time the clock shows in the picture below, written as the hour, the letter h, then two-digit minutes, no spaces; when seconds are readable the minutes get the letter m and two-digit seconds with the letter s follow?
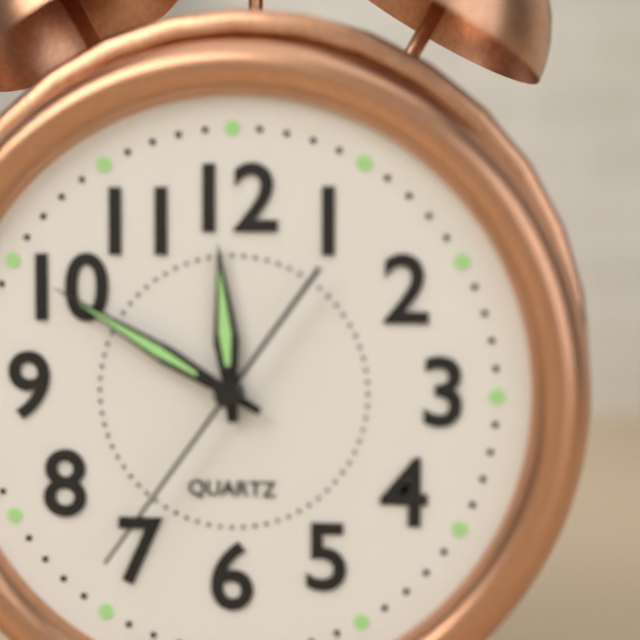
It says 11h50m36s
